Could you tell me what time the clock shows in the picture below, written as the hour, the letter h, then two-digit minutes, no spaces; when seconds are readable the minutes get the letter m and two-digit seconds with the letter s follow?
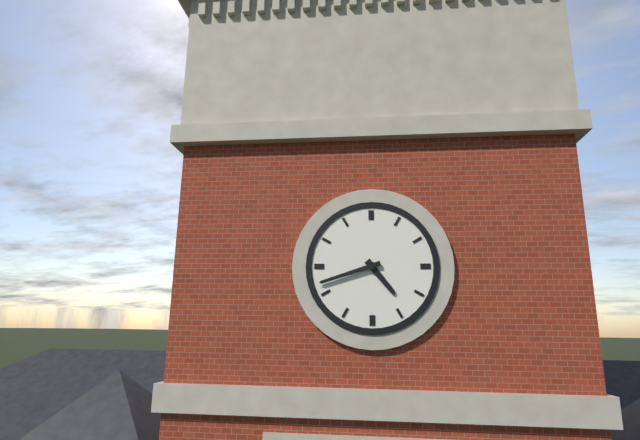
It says 4h42
